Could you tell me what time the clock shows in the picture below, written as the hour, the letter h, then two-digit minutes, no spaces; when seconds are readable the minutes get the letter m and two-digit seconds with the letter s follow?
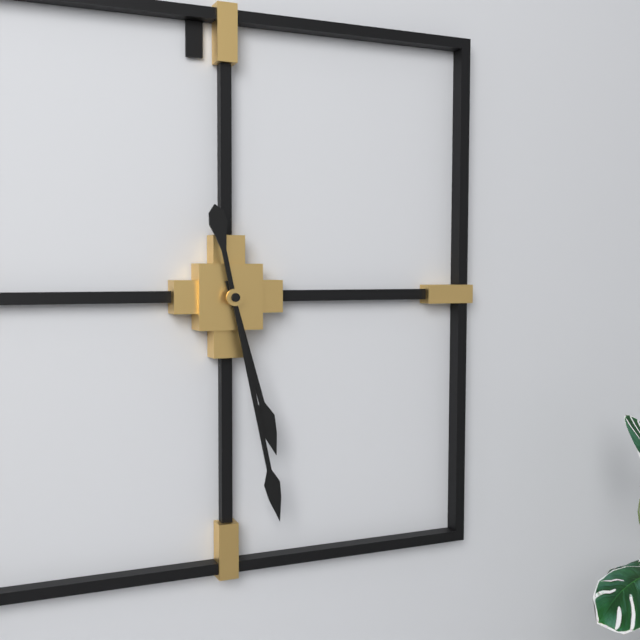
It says 5h28
